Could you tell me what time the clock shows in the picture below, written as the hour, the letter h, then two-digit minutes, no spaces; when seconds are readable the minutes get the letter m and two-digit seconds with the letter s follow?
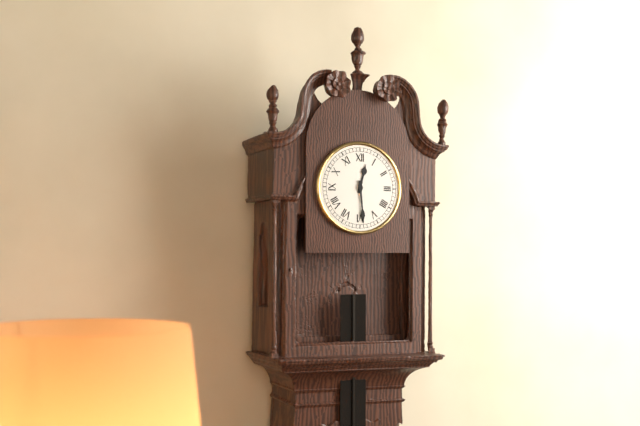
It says 12h29
